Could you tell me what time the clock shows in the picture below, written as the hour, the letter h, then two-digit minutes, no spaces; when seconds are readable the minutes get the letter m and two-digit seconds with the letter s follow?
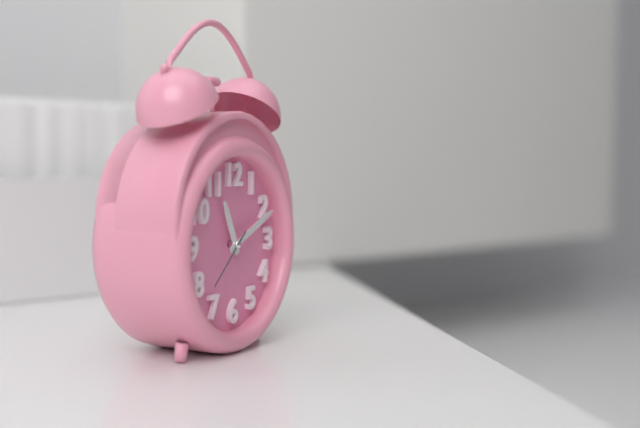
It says 11h11m38s
